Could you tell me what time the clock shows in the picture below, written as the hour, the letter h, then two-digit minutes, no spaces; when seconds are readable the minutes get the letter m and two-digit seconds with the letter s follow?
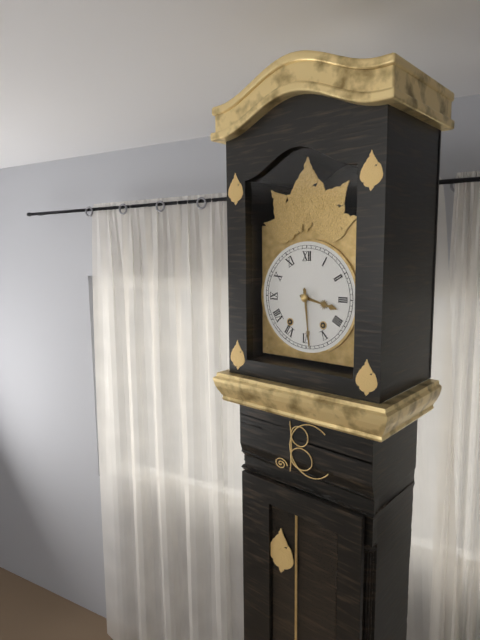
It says 3h29
